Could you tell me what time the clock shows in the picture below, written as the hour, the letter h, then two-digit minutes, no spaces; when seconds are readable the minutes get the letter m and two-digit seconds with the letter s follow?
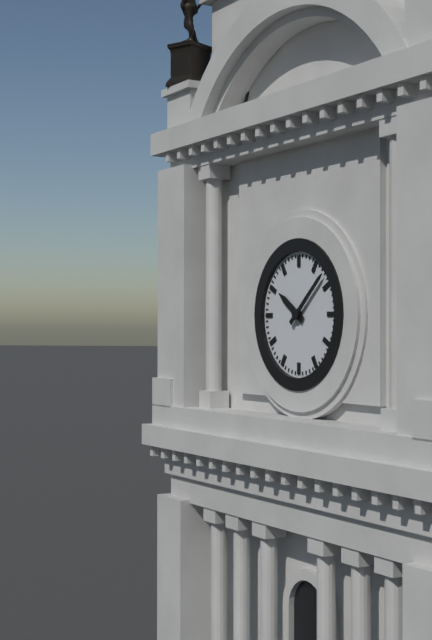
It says 10h08
